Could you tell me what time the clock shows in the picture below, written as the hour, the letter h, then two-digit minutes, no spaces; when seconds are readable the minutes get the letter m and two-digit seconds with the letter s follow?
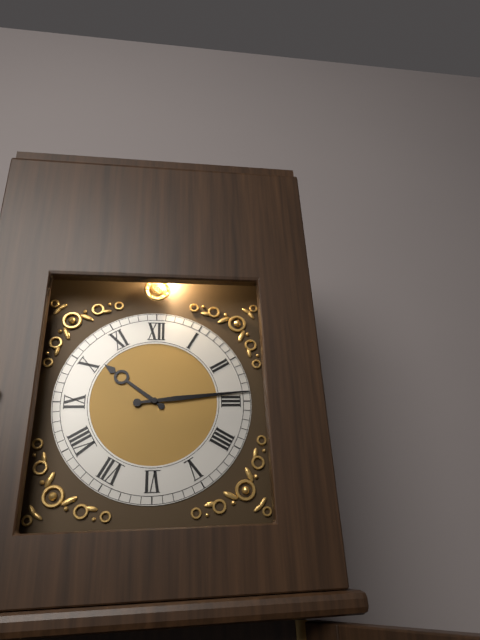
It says 10h14
